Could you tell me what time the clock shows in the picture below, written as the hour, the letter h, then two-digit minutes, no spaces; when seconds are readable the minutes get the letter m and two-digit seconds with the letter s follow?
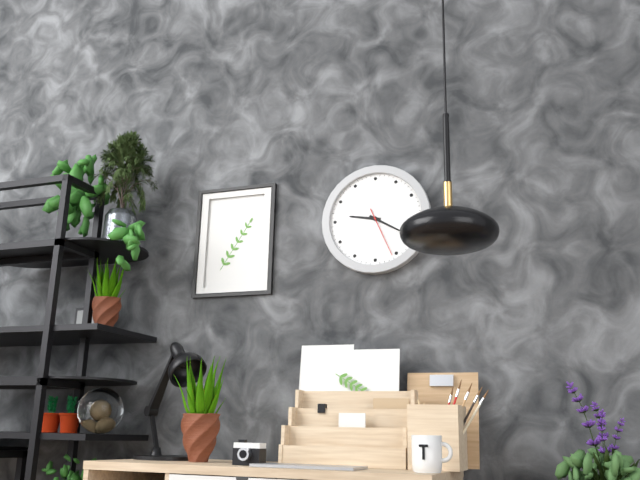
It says 9h20m26s
